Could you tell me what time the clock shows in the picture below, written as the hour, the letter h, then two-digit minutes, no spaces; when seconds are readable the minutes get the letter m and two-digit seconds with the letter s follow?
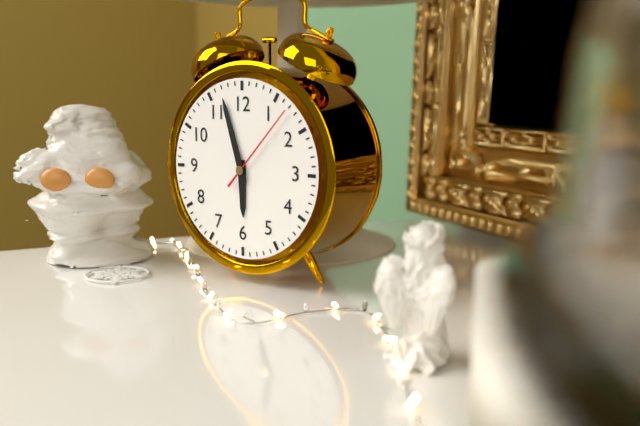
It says 5h57m07s
